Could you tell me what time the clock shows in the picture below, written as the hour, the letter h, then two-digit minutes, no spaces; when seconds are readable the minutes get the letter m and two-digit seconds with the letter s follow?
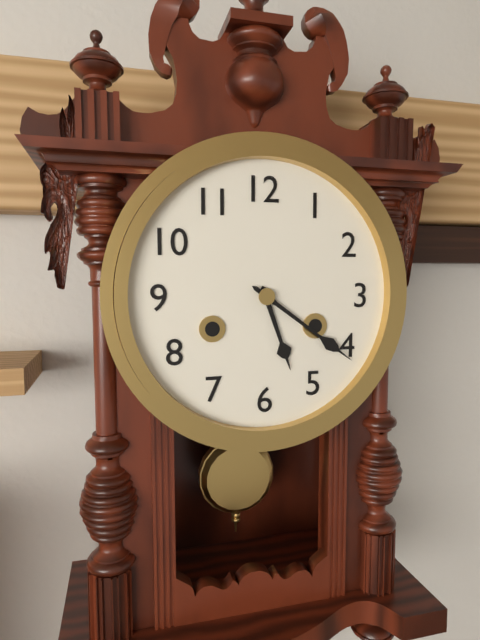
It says 5h21
